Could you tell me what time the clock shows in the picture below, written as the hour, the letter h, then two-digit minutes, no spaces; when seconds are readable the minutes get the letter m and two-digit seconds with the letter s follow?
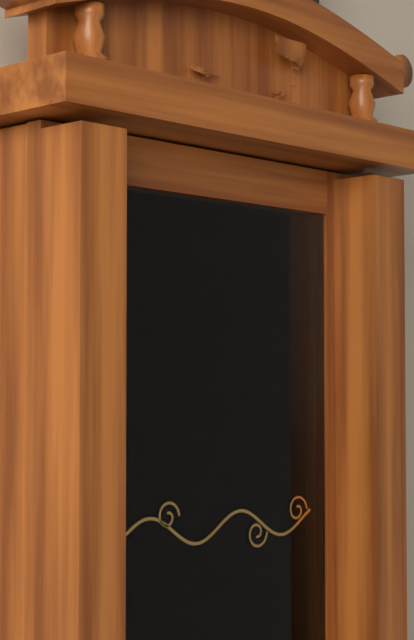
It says 2h00m35s
